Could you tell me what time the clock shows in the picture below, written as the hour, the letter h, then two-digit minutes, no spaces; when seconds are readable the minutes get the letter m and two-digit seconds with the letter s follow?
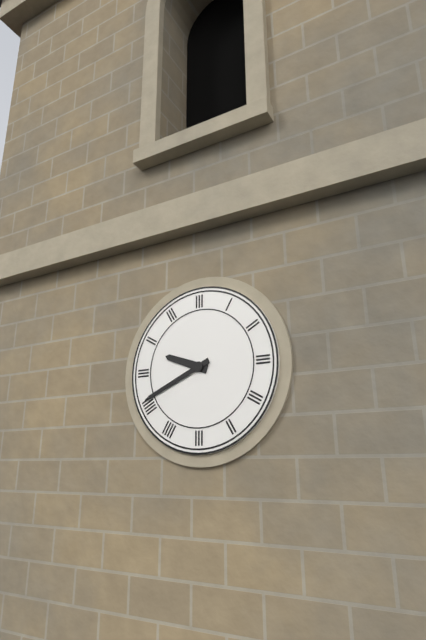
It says 9h41
